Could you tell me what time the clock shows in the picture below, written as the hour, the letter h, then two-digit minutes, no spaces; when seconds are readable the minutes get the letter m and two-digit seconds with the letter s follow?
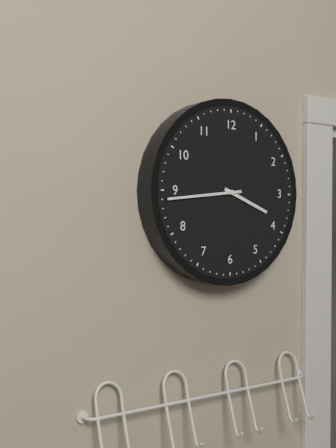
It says 3h44
